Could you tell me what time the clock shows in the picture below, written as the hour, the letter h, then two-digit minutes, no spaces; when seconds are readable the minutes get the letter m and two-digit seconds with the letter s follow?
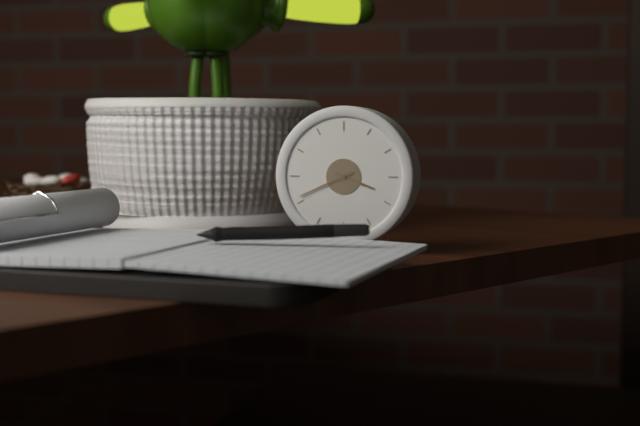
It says 3h41
